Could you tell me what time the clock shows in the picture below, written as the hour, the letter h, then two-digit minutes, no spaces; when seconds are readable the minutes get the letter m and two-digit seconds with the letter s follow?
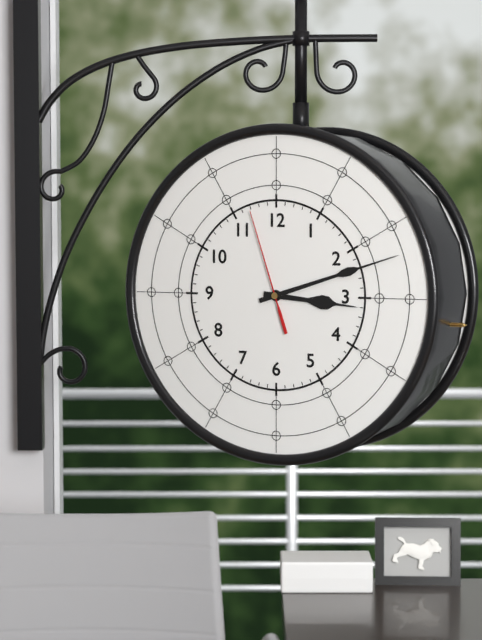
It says 3h12m57s
